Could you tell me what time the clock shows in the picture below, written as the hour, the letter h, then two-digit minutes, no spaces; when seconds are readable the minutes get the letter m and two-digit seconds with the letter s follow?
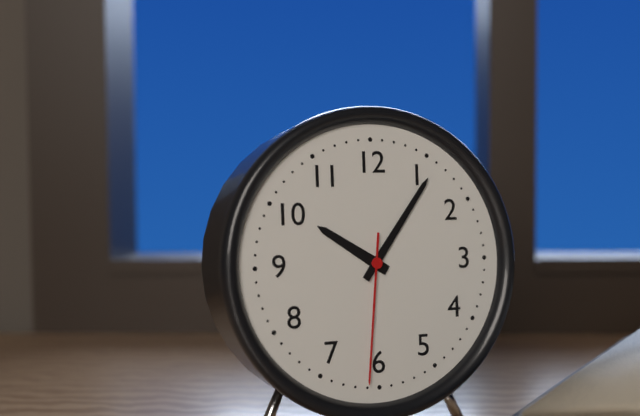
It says 10h06m31s
